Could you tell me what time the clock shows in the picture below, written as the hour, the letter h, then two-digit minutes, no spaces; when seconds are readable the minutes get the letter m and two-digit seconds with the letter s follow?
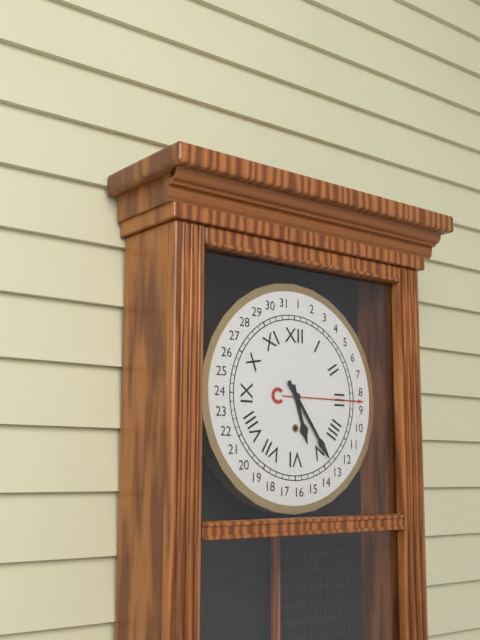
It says 5h24
